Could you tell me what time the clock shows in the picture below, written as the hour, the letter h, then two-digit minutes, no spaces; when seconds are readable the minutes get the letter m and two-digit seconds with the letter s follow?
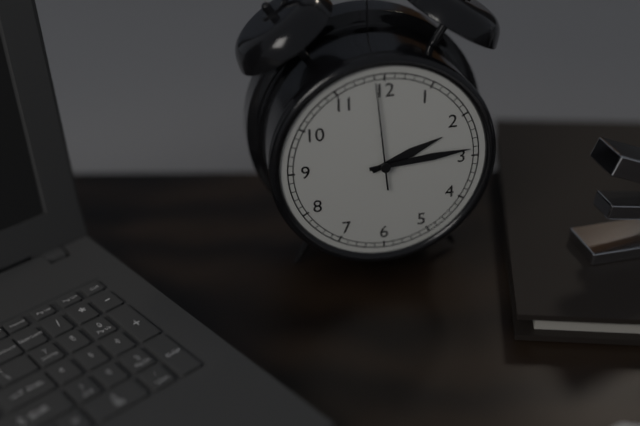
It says 2h14m59s
